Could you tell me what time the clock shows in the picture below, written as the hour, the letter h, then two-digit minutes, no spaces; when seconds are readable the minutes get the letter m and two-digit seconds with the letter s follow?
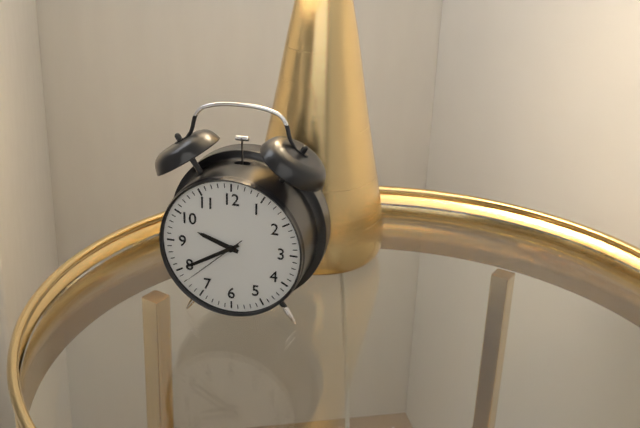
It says 9h40m38s
